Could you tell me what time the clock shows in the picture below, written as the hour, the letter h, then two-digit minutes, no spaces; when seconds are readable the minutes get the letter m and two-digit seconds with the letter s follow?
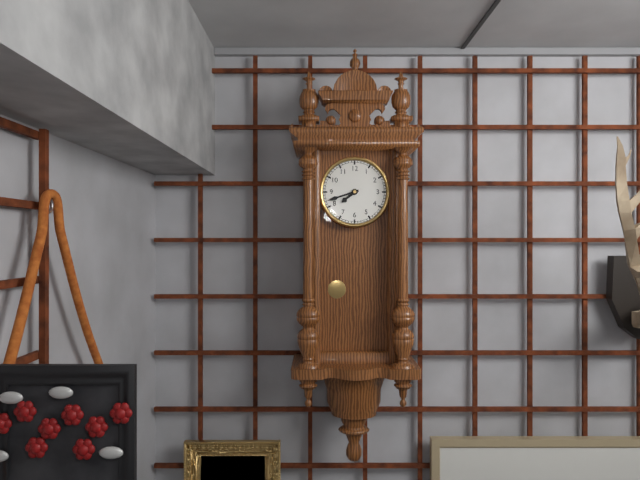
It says 7h42
